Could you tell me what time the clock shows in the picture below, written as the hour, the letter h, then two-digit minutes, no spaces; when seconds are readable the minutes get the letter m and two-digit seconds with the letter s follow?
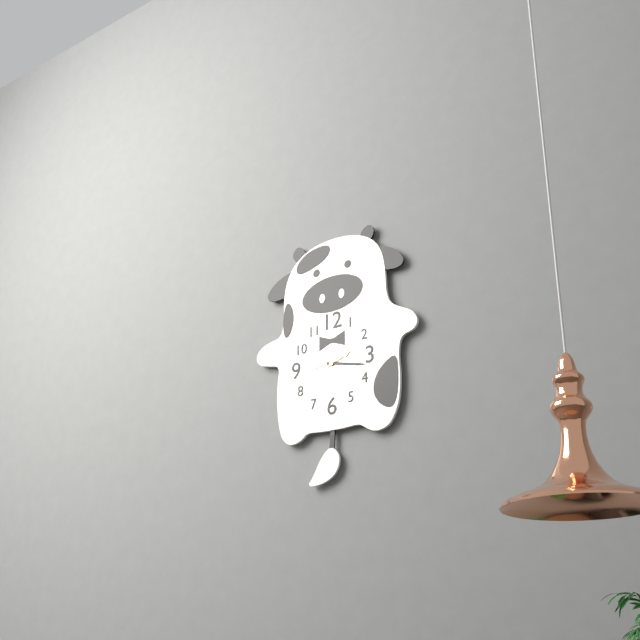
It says 2h17
